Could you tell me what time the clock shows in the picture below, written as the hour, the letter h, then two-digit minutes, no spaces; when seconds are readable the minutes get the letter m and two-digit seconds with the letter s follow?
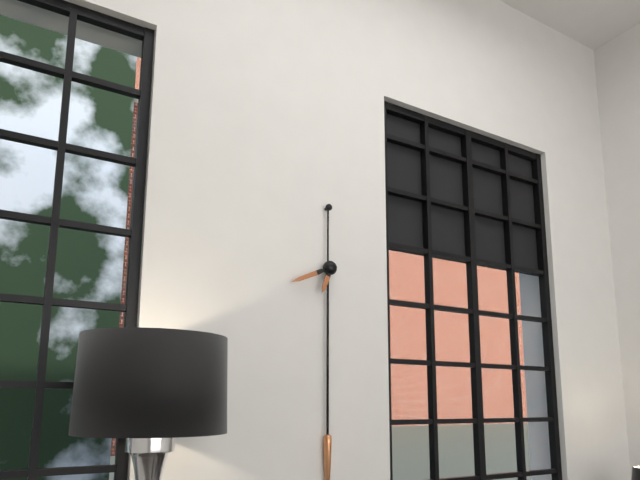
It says 6h41
